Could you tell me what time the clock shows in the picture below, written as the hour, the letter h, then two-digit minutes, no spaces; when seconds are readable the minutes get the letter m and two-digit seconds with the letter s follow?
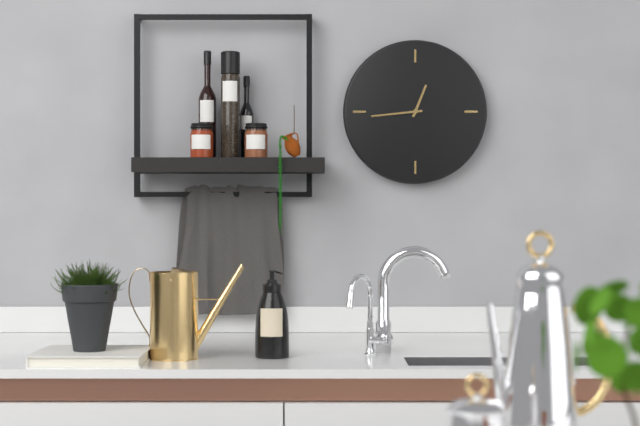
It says 12h44
